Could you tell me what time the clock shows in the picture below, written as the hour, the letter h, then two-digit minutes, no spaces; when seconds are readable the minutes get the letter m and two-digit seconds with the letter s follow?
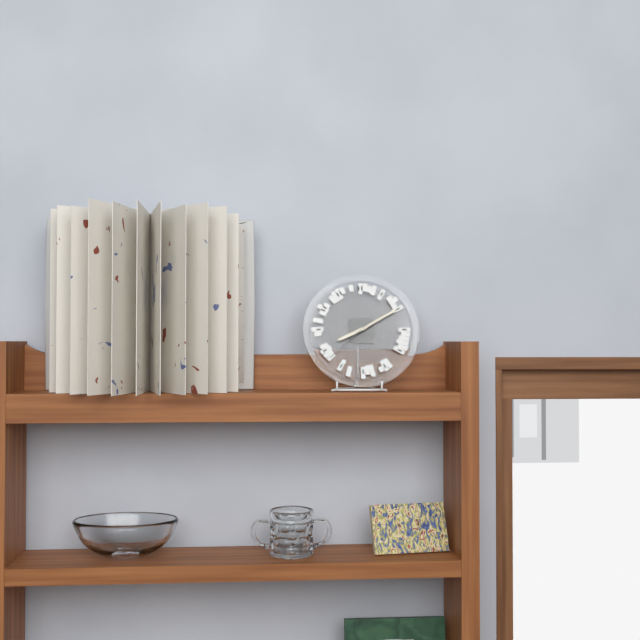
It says 8h10m38s
